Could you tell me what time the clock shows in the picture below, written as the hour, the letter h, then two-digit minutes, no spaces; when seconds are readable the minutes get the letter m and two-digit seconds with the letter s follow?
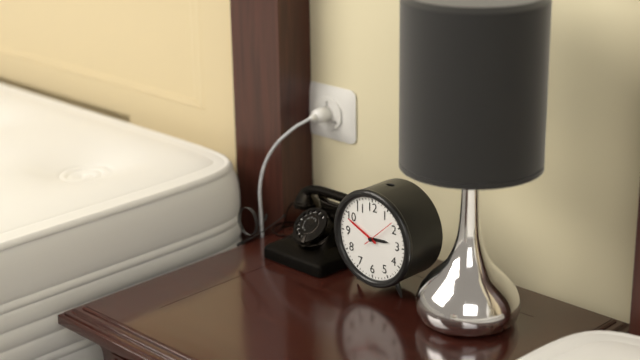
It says 2h49
